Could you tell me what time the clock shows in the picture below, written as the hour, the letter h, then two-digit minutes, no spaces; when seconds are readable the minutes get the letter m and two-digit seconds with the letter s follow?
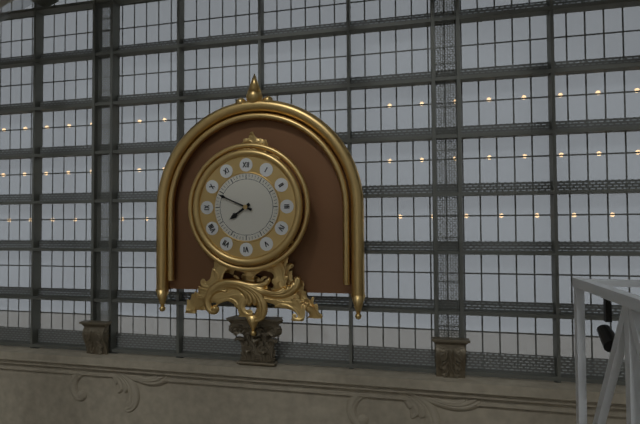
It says 7h49
